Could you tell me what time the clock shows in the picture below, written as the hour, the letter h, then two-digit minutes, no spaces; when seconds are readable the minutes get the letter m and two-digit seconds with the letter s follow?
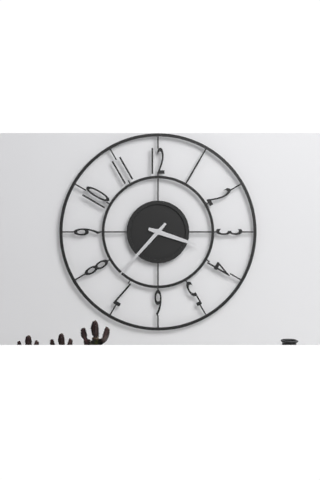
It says 3h37
